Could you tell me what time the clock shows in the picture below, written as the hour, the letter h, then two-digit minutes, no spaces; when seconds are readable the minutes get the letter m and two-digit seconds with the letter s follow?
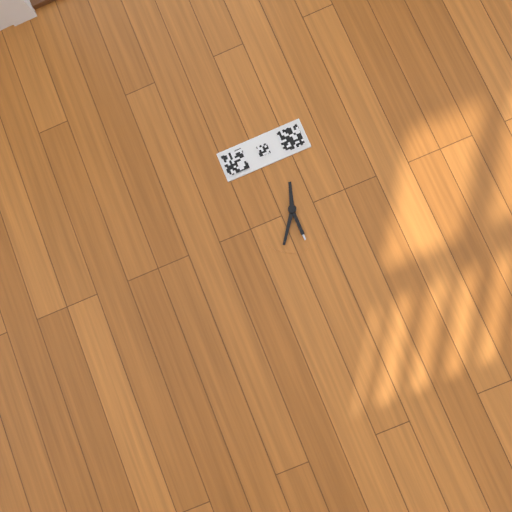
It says 12h36
